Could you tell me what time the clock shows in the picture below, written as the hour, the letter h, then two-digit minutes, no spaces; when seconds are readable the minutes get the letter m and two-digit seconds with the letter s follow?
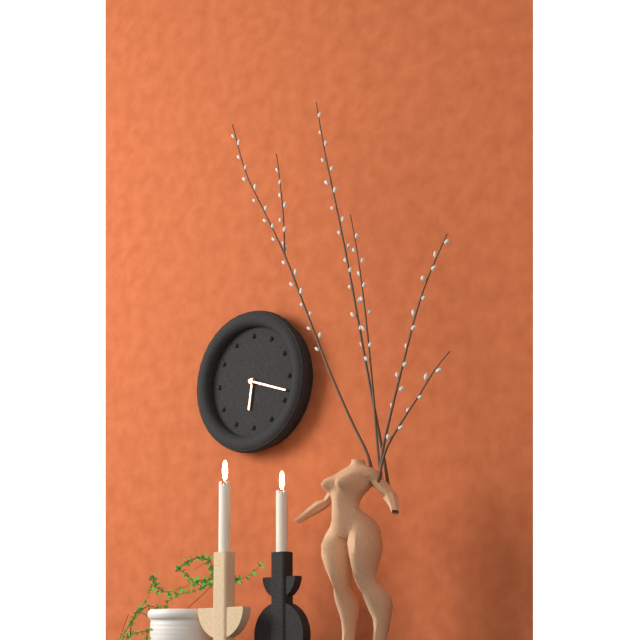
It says 6h18
